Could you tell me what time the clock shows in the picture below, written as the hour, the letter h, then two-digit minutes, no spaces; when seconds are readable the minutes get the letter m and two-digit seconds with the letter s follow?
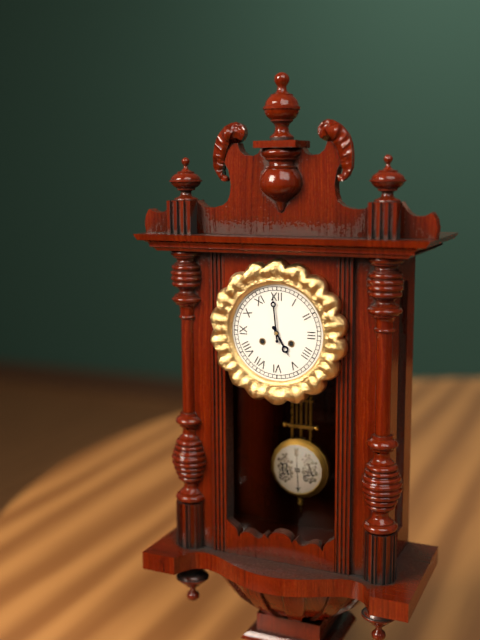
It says 4h59
